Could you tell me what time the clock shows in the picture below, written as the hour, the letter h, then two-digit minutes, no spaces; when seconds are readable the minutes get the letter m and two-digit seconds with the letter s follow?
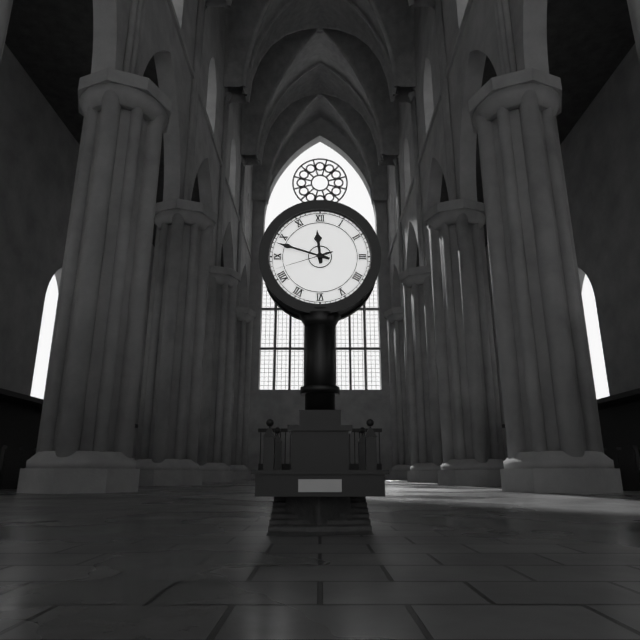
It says 11h48m42s
